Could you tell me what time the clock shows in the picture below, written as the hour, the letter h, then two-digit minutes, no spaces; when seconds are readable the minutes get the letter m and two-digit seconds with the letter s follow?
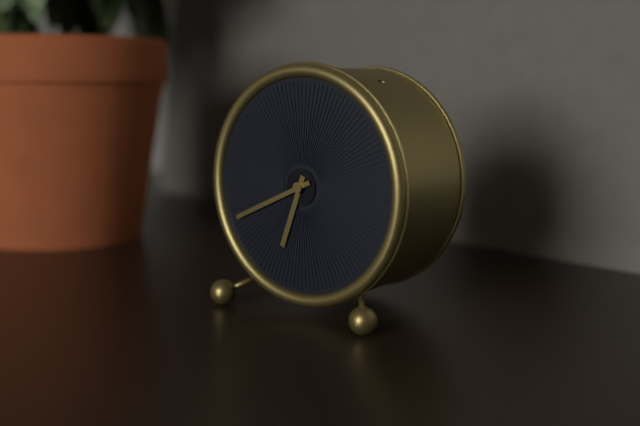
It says 6h41
